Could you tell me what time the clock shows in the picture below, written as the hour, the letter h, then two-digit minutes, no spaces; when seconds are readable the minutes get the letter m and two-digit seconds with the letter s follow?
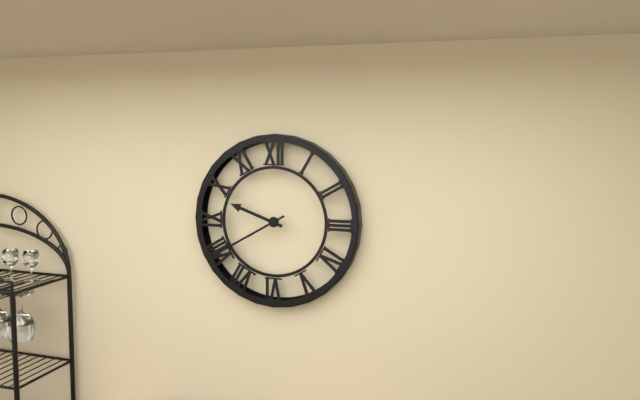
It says 9h40
